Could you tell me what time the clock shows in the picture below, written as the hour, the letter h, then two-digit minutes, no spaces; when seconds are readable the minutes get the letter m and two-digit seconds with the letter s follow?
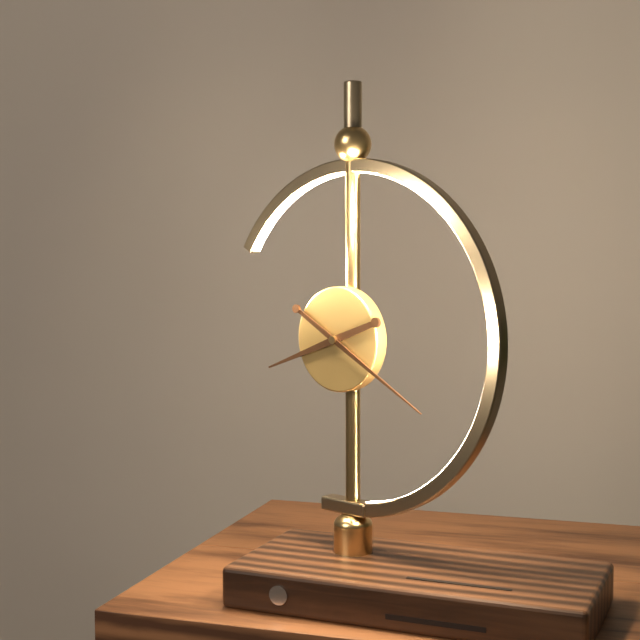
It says 8h20
